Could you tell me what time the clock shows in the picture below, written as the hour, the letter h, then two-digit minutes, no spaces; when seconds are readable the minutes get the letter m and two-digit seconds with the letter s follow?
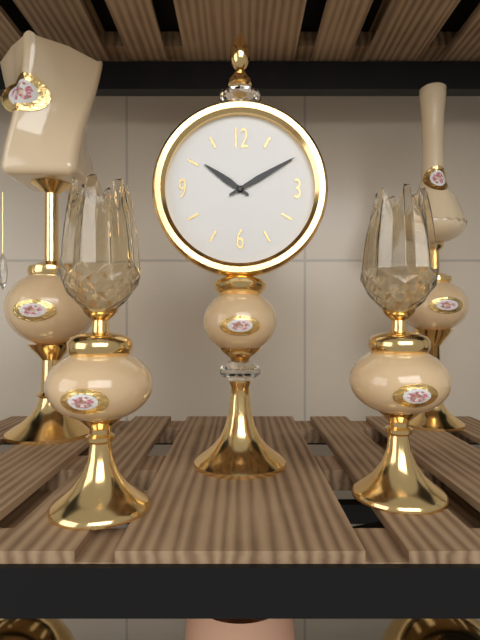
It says 10h10
